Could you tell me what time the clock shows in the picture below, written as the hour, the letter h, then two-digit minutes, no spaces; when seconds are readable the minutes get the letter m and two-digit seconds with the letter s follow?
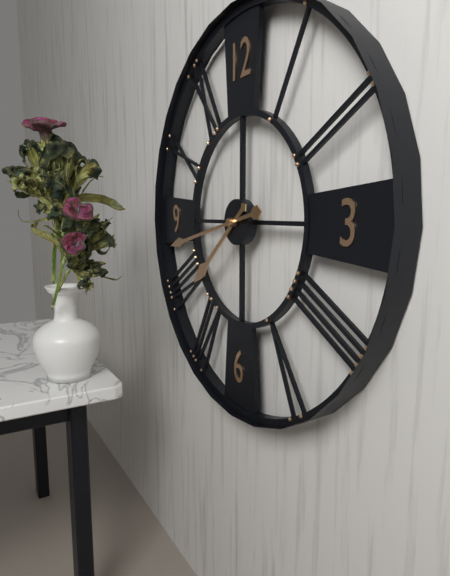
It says 7h43
